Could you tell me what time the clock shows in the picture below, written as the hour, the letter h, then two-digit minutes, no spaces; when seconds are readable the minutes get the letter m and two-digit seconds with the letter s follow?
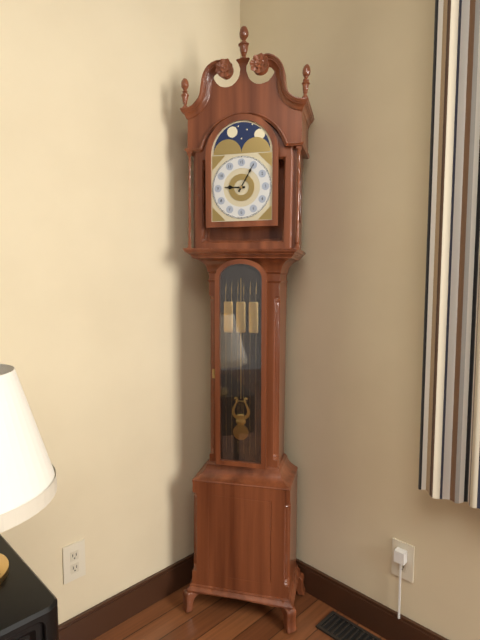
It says 9h05
